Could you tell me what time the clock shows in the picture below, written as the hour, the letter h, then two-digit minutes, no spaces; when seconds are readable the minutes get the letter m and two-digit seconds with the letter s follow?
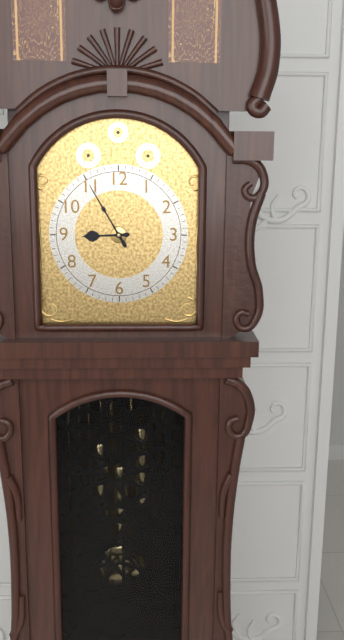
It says 8h55
